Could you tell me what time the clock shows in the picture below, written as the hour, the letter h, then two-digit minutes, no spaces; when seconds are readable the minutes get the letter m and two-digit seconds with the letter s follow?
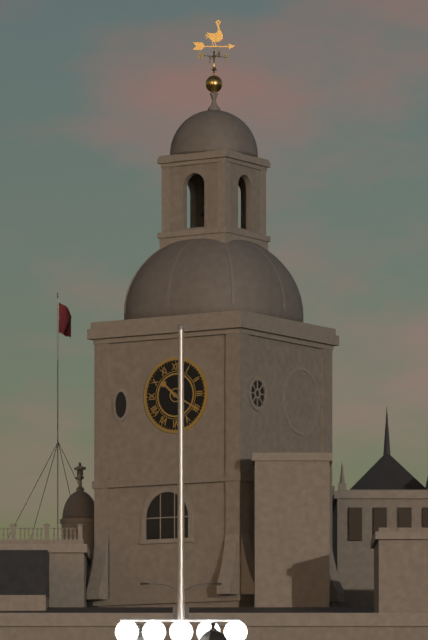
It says 10h20
